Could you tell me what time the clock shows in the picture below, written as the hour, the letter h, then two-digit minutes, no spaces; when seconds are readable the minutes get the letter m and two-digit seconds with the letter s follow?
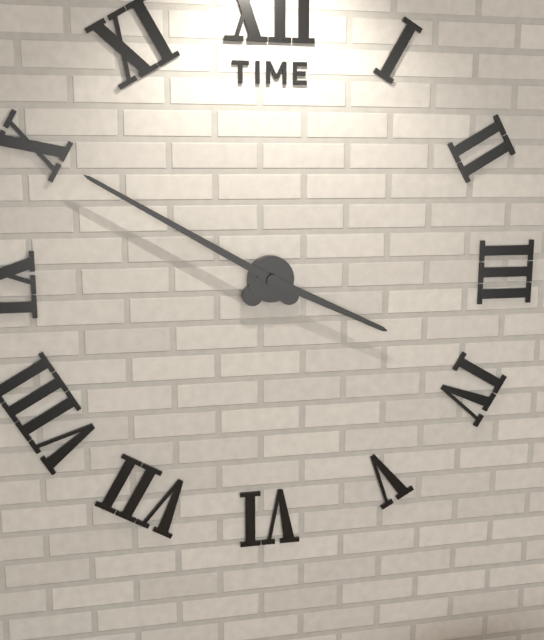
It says 3h50
